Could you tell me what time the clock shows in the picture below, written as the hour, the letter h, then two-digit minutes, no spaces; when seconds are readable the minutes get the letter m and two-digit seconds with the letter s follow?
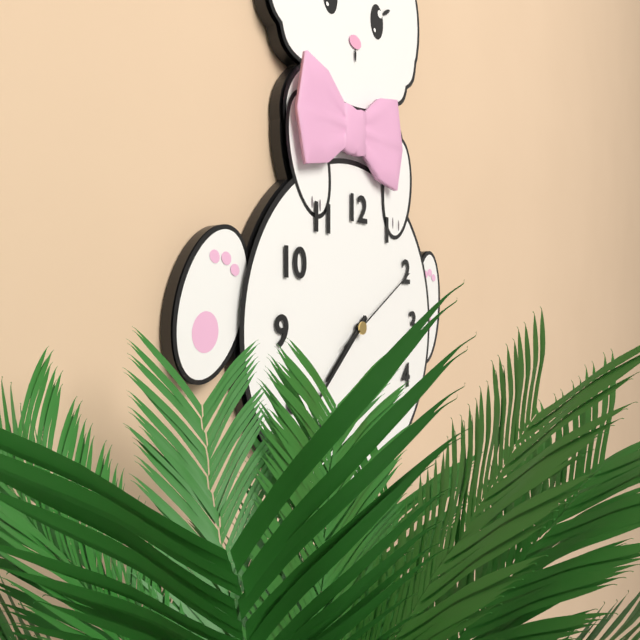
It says 7h38m10s
